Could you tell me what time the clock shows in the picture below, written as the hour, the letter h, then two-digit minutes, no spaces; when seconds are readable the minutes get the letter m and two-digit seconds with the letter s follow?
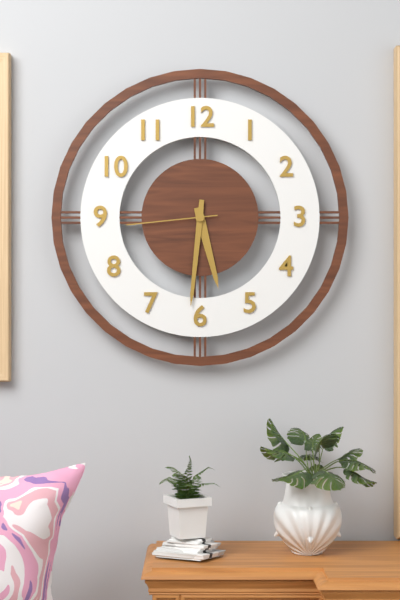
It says 5h31m44s
